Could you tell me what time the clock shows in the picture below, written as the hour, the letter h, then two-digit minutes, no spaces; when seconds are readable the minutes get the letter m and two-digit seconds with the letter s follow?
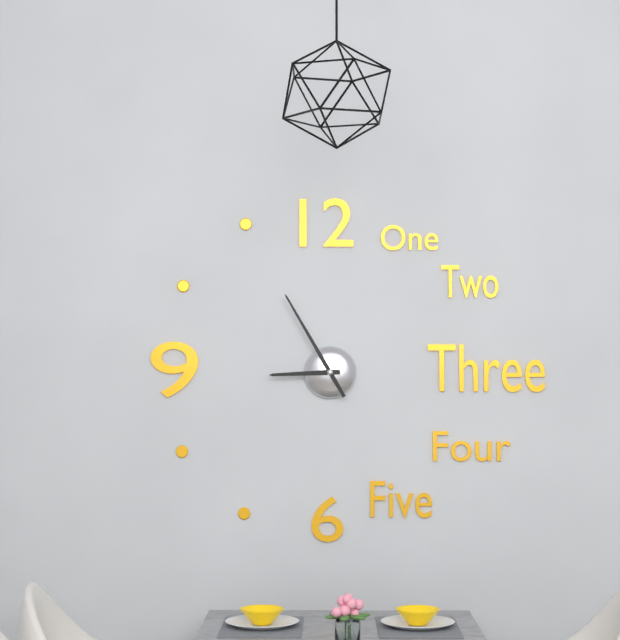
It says 8h55
